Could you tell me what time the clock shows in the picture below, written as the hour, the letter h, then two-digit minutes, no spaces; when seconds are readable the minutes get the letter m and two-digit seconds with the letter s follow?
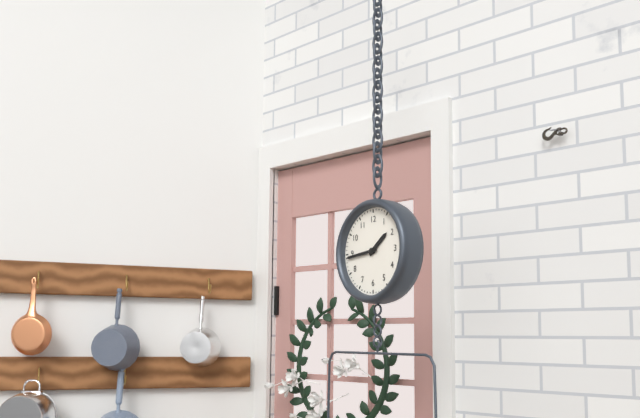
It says 1h44
